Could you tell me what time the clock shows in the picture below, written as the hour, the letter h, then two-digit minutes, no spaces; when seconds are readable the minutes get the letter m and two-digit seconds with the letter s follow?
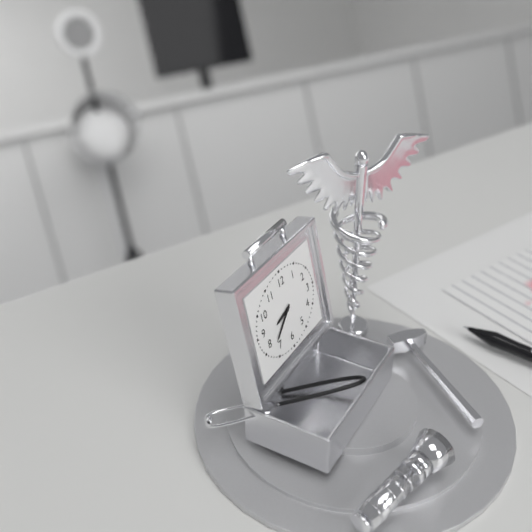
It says 8h39
